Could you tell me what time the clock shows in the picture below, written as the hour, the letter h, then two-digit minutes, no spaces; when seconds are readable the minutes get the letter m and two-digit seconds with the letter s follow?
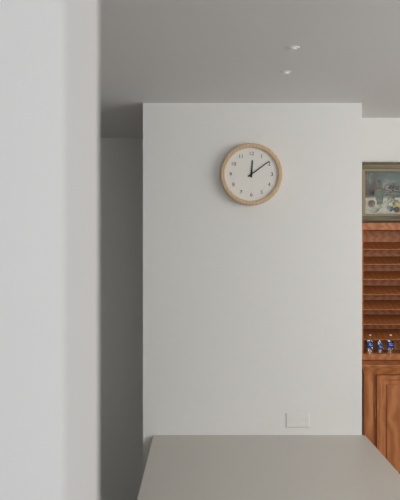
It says 12h09
